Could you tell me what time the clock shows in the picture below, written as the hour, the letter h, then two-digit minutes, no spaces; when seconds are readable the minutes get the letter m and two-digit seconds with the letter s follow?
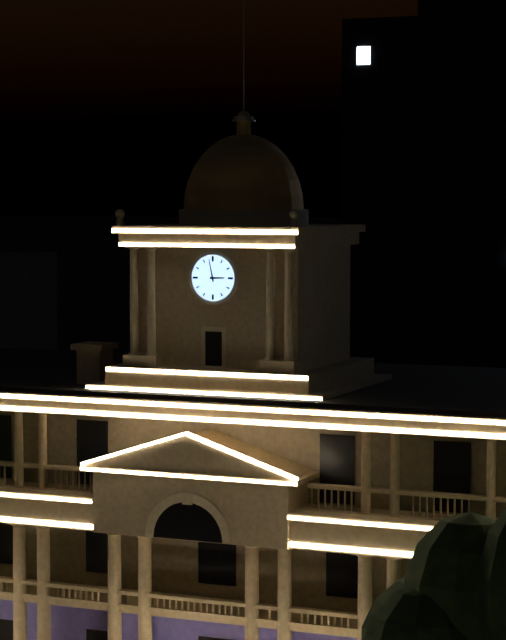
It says 2h58
